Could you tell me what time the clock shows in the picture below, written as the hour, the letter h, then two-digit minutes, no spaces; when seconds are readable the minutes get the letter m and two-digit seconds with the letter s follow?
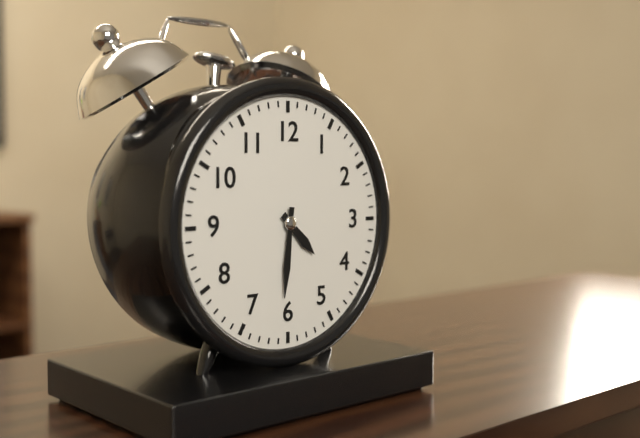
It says 4h31
